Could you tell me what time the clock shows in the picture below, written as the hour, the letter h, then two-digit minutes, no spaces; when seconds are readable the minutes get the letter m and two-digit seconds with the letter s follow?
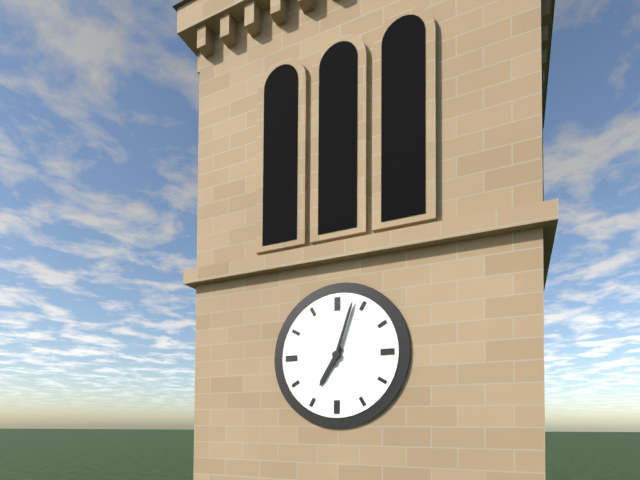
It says 7h03
